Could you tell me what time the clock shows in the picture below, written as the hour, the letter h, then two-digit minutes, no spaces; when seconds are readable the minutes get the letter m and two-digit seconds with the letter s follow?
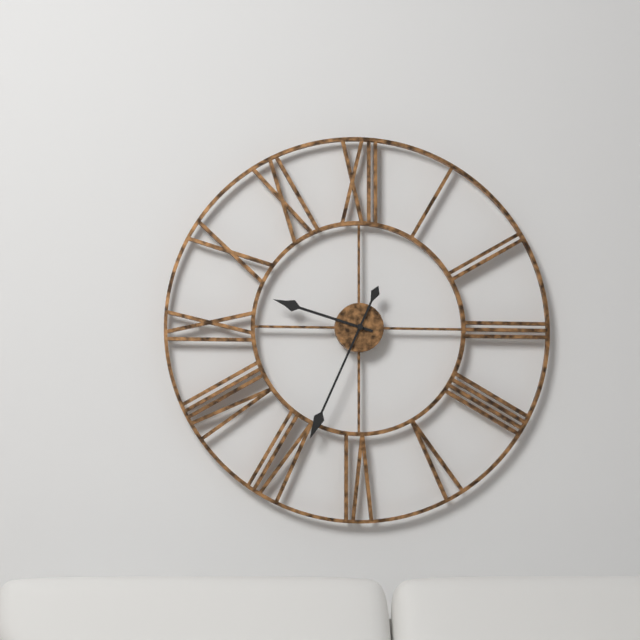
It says 9h34
